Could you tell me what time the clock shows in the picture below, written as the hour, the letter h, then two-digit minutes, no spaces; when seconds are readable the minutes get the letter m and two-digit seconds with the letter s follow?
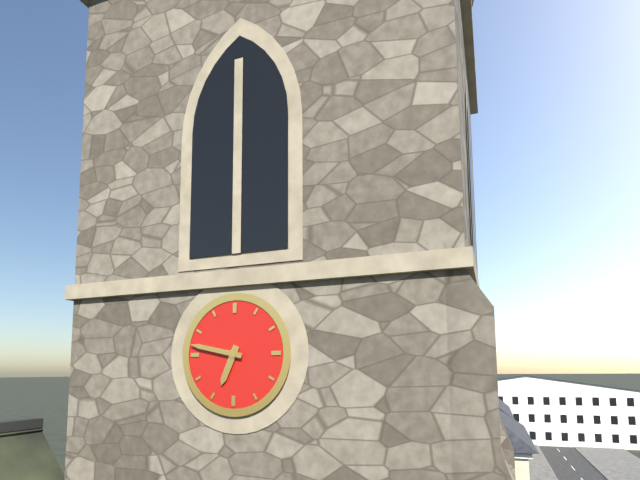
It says 6h47
